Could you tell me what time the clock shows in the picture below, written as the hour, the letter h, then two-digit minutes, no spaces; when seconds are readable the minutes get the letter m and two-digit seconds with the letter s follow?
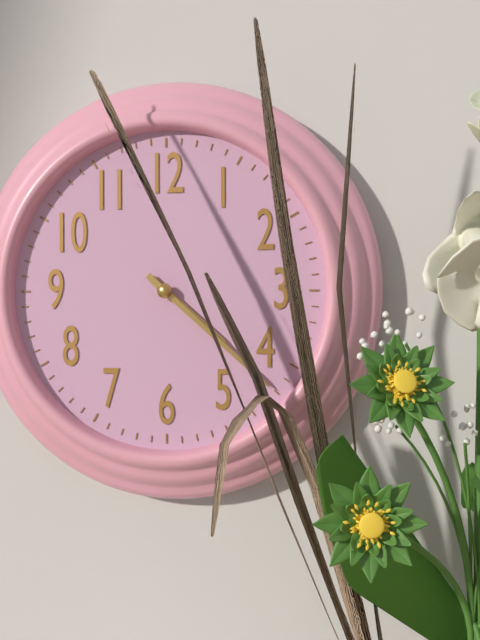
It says 4h22
